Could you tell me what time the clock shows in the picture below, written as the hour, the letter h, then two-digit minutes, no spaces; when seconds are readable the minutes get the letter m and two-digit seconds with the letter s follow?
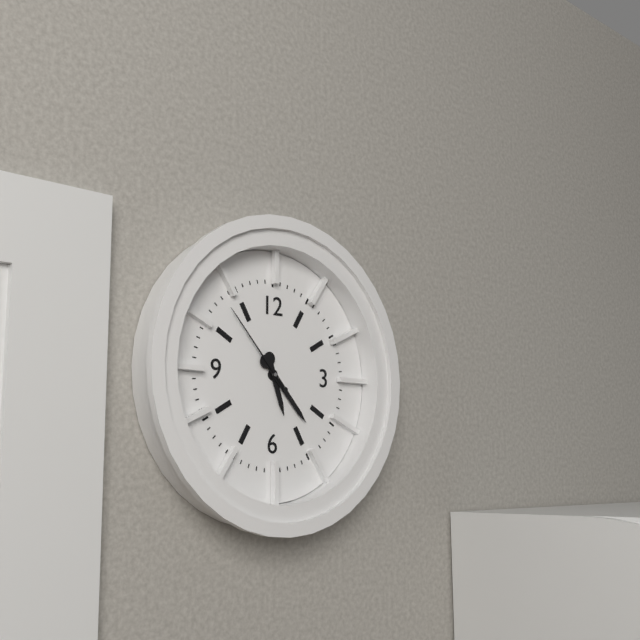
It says 5h23m53s
